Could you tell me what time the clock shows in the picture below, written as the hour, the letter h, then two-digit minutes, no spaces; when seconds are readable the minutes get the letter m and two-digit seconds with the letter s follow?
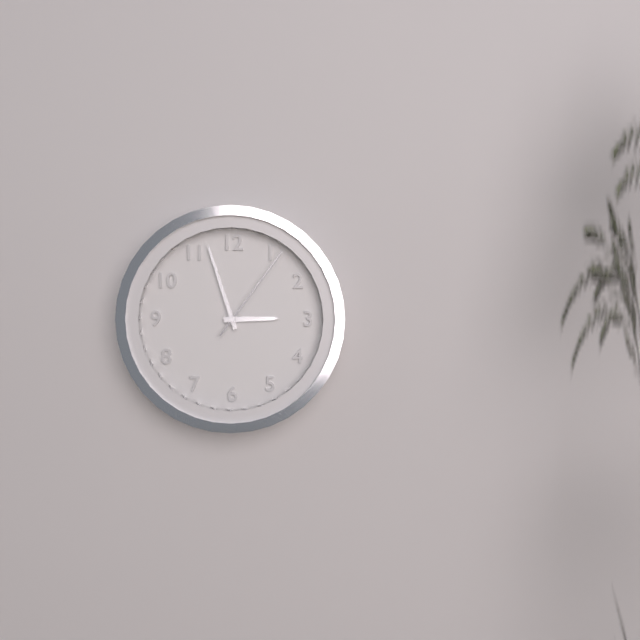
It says 2h57m06s
